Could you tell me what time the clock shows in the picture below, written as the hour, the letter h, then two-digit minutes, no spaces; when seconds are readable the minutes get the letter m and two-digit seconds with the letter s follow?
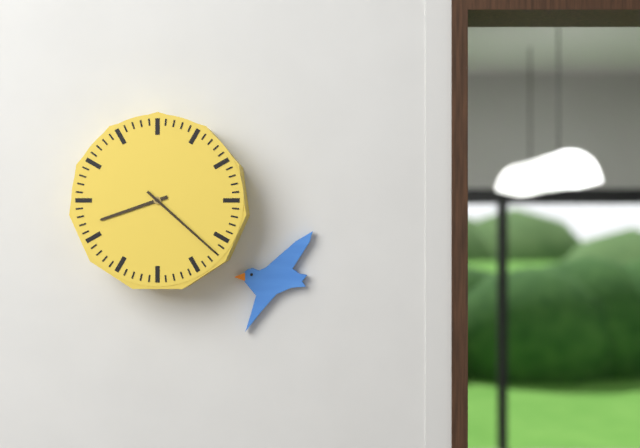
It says 8h22
